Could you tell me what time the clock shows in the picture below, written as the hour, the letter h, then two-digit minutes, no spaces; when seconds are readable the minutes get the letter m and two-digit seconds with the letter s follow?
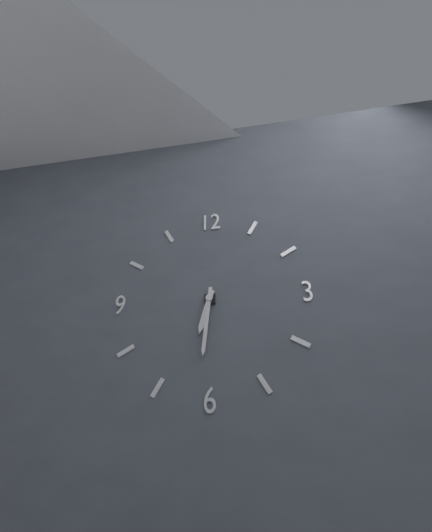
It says 6h31
